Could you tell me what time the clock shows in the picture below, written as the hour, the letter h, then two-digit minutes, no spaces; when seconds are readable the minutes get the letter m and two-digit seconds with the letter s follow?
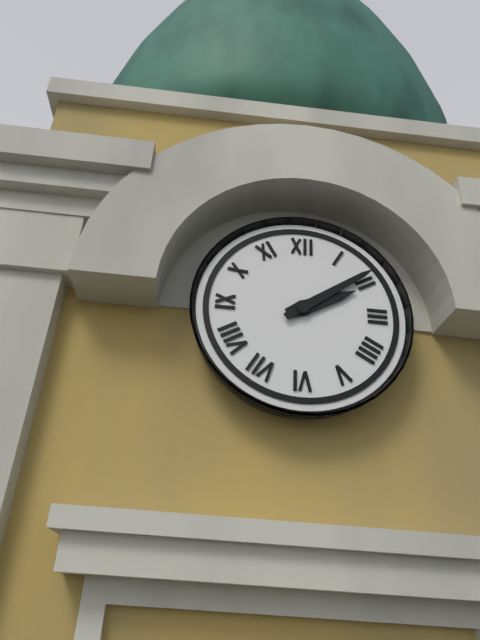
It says 2h09
